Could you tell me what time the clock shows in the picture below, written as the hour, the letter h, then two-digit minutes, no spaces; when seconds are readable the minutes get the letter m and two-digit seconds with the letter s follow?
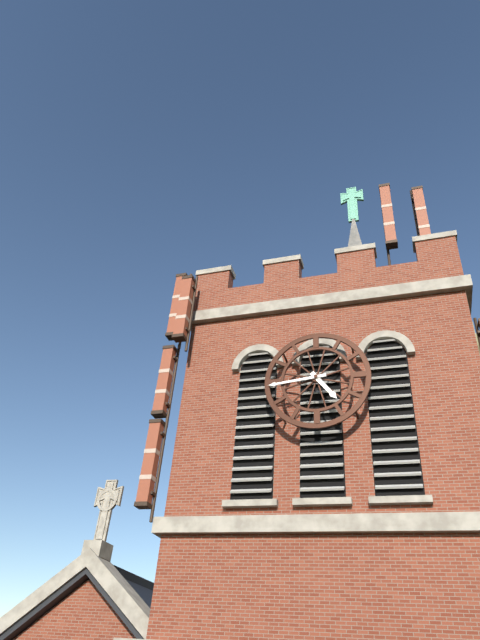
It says 4h44
